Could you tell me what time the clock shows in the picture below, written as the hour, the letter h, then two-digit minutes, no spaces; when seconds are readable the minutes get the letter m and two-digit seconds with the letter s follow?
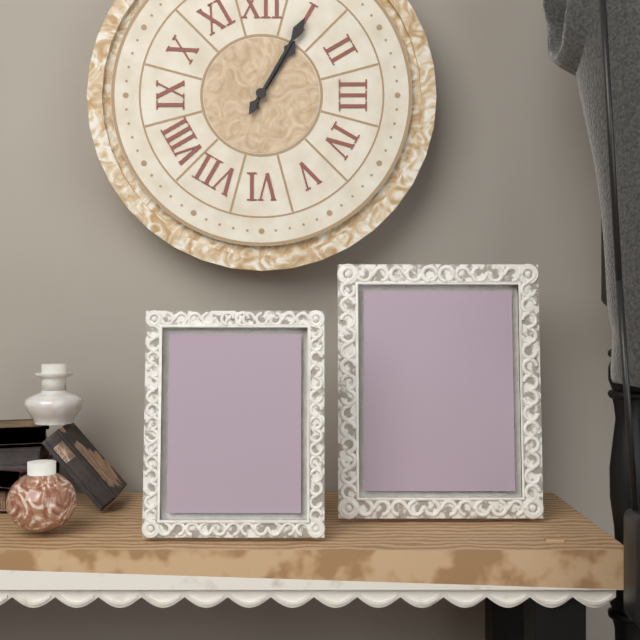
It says 1h05
